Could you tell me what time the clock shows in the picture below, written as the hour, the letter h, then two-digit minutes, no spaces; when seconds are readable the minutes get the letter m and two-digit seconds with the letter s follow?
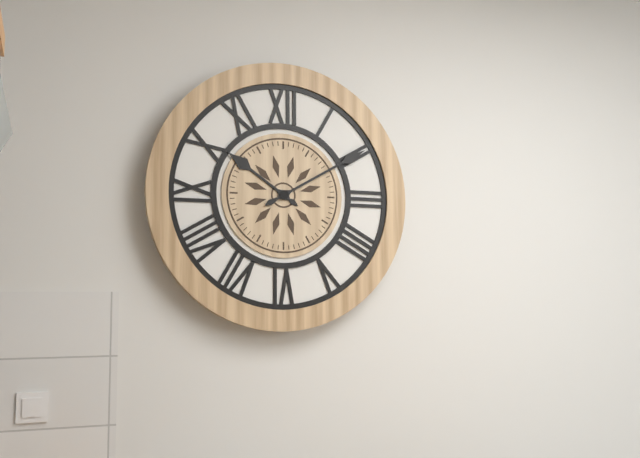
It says 10h10
